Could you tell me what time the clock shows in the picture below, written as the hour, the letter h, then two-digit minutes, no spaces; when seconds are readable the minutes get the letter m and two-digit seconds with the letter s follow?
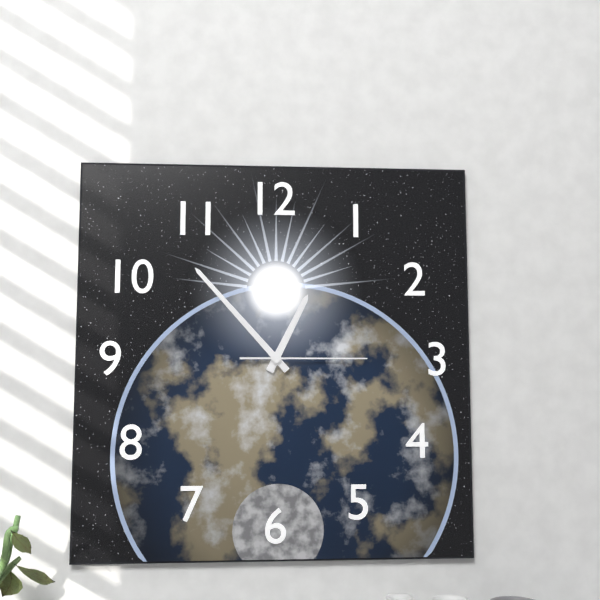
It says 12h53m15s
